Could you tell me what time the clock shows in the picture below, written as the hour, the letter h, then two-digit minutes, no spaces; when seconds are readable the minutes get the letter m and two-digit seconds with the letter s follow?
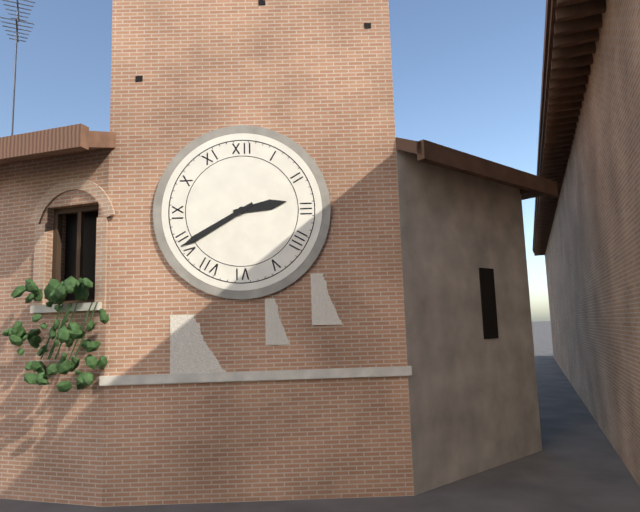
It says 2h40
